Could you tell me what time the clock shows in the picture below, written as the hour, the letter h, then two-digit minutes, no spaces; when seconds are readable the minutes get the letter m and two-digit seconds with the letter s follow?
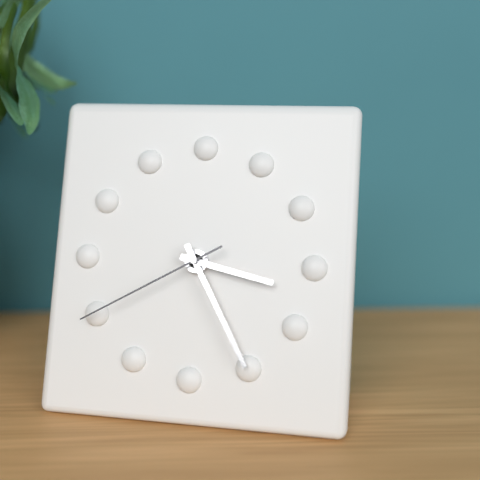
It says 3h25m40s
